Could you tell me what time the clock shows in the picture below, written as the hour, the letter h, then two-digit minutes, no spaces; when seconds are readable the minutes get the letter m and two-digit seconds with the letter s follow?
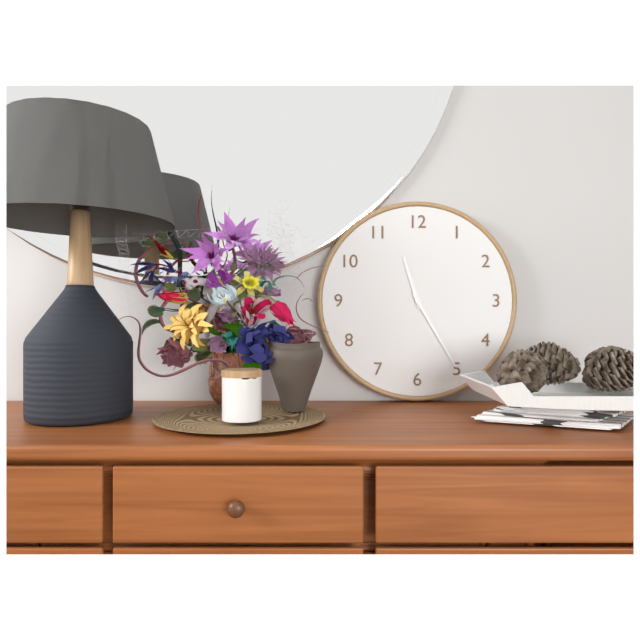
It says 11h25
